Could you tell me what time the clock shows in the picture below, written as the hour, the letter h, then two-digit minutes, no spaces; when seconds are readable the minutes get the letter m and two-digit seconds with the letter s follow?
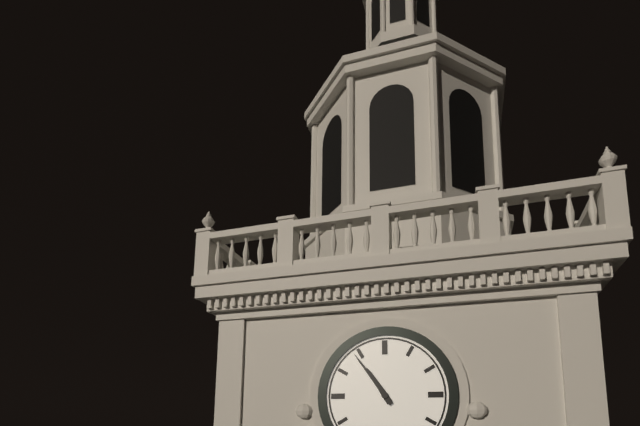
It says 10h54
